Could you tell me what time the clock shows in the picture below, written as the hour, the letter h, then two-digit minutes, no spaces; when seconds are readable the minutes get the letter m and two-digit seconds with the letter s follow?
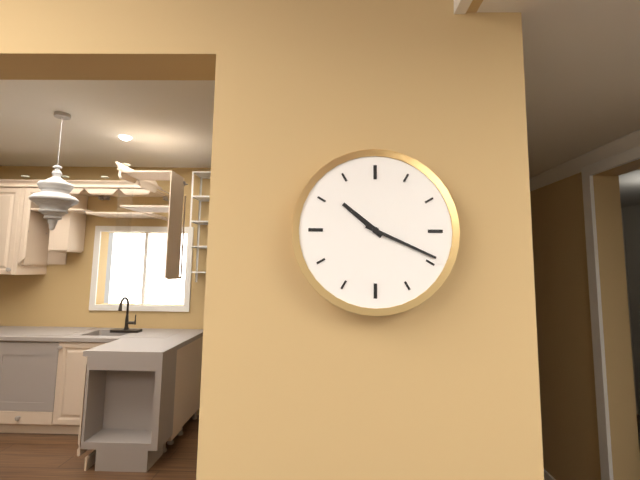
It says 10h19
